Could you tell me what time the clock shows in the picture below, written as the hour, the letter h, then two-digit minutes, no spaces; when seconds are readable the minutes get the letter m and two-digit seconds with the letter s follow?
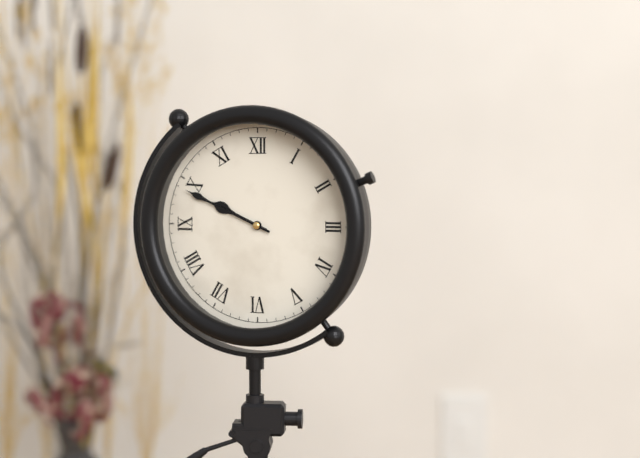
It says 9h49
